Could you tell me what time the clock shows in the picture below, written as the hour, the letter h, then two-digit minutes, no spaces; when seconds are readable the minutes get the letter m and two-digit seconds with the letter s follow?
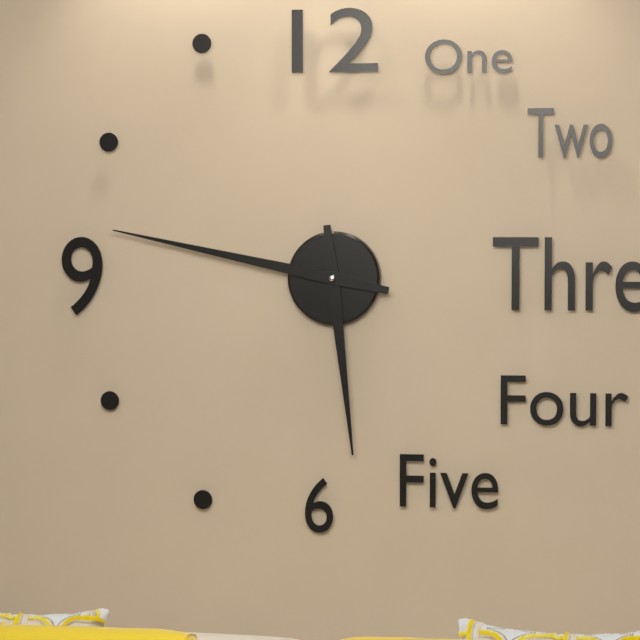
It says 5h47
